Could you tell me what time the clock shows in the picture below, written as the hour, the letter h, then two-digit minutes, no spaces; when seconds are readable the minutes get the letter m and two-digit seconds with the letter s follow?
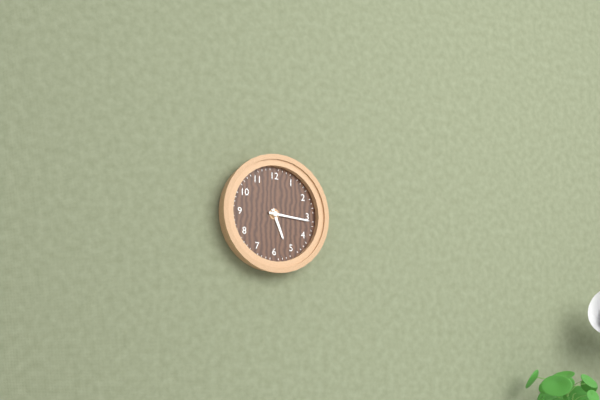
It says 5h16
